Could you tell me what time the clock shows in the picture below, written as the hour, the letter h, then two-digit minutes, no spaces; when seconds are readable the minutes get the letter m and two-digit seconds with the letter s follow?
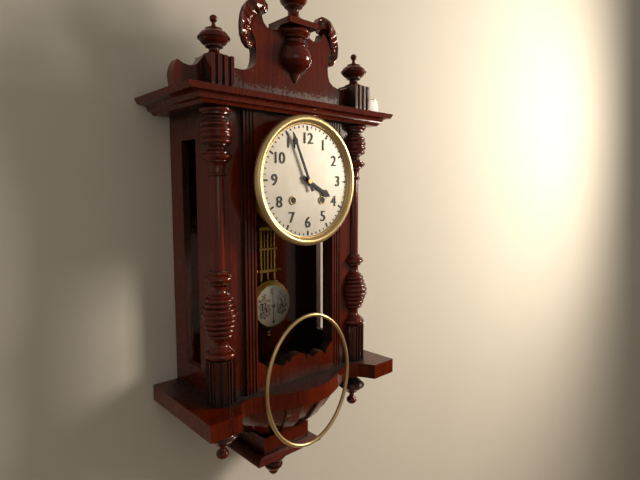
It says 3h56
